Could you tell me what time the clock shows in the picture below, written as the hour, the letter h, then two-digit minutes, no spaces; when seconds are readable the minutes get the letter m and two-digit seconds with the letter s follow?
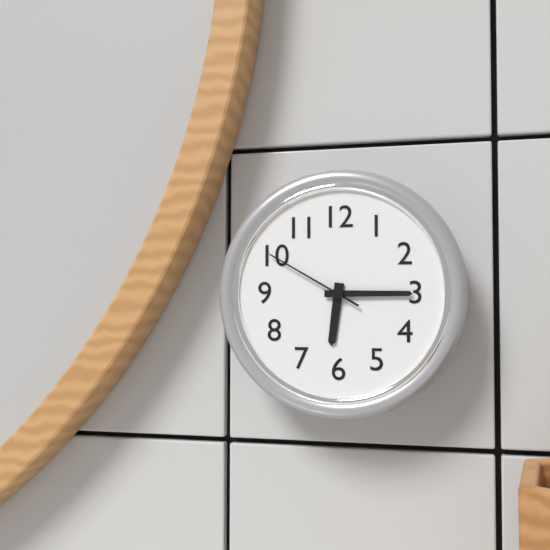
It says 6h15m50s
